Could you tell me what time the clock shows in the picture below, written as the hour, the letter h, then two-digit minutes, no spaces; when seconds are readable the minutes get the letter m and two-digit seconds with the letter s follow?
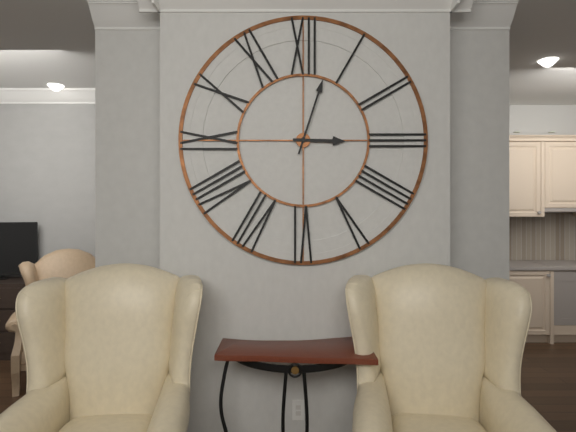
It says 3h03
